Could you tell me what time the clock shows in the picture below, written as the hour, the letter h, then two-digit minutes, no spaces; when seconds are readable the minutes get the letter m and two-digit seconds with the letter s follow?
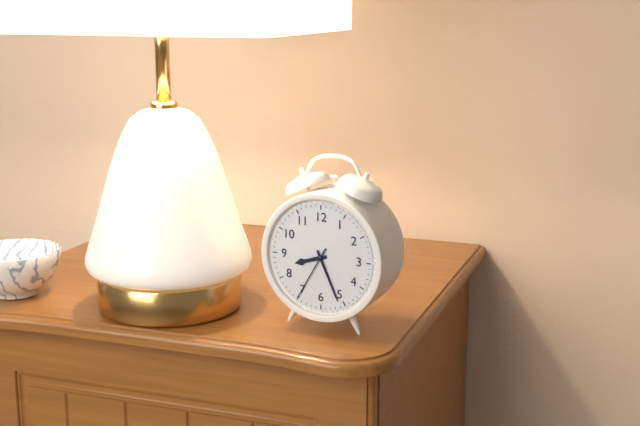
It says 8h26m35s
